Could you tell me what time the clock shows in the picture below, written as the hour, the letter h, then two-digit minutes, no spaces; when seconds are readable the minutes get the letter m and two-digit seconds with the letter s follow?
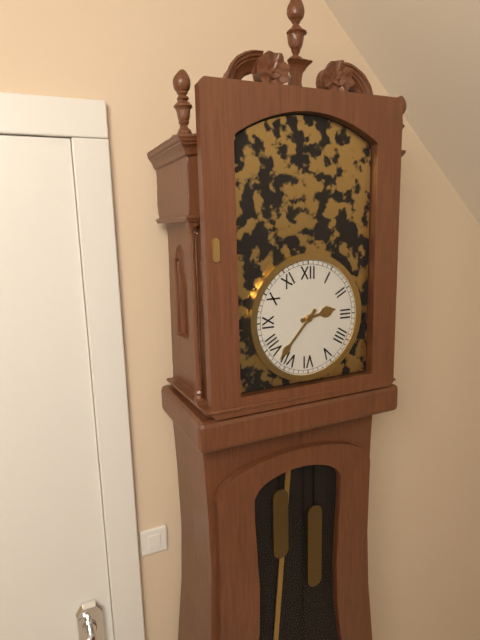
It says 2h37
